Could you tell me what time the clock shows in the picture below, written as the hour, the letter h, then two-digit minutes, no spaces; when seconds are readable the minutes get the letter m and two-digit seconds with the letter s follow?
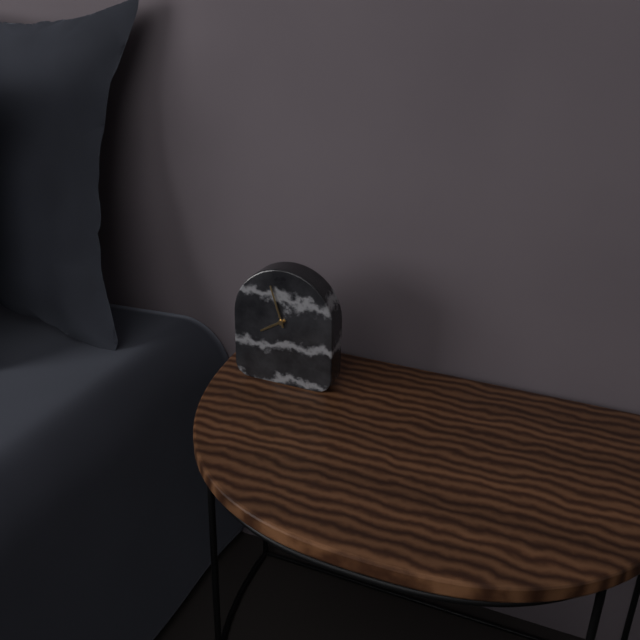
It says 7h57
